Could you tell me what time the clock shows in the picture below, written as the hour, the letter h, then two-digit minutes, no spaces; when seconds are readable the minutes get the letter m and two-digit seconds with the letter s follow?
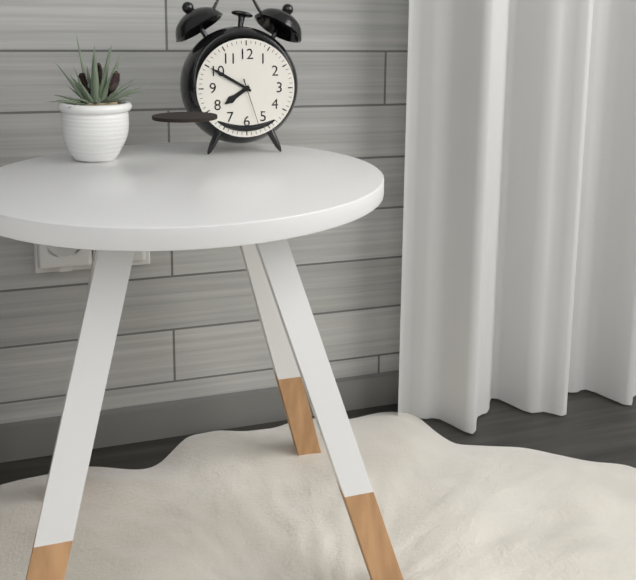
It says 7h50m27s
